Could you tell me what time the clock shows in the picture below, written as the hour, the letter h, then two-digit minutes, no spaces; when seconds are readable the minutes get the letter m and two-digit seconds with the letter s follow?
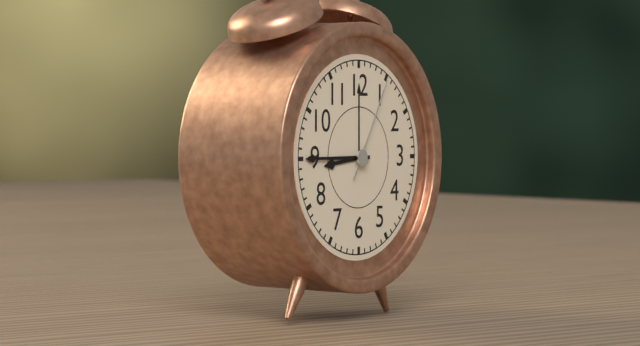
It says 8h45m05s
